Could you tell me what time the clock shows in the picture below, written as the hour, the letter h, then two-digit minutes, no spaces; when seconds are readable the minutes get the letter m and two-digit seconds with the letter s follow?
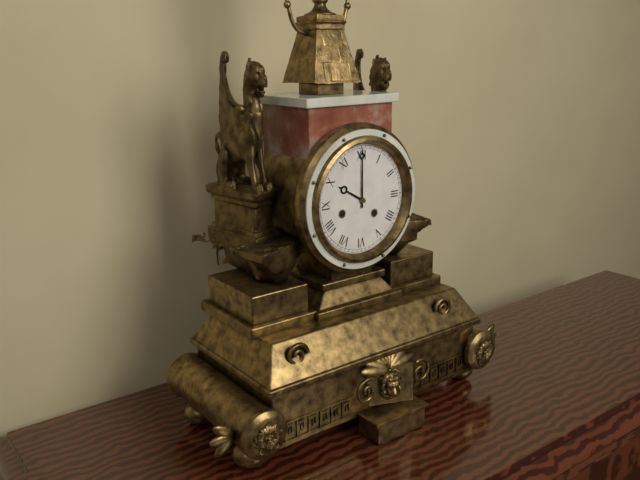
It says 10h00
